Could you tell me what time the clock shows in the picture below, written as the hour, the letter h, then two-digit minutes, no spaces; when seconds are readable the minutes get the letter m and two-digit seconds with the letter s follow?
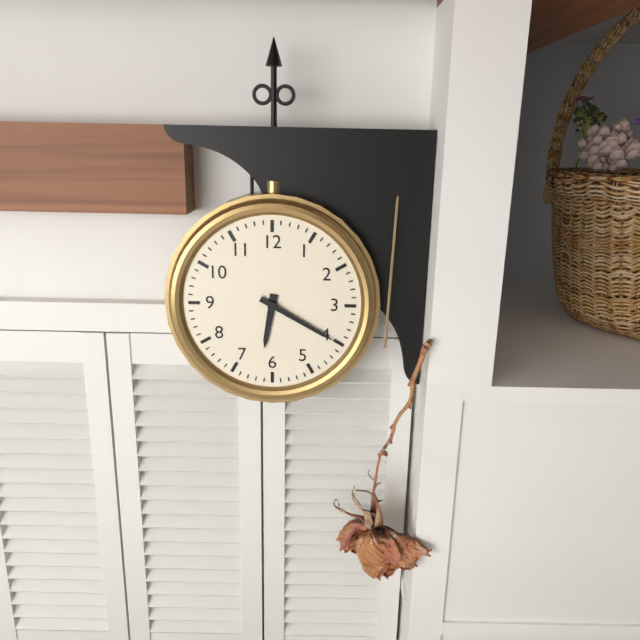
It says 6h20
